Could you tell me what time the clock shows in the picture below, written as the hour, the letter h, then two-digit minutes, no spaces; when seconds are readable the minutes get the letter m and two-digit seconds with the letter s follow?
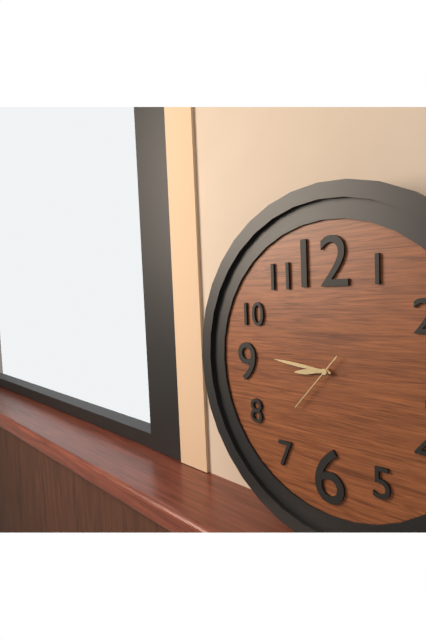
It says 8h46m37s
